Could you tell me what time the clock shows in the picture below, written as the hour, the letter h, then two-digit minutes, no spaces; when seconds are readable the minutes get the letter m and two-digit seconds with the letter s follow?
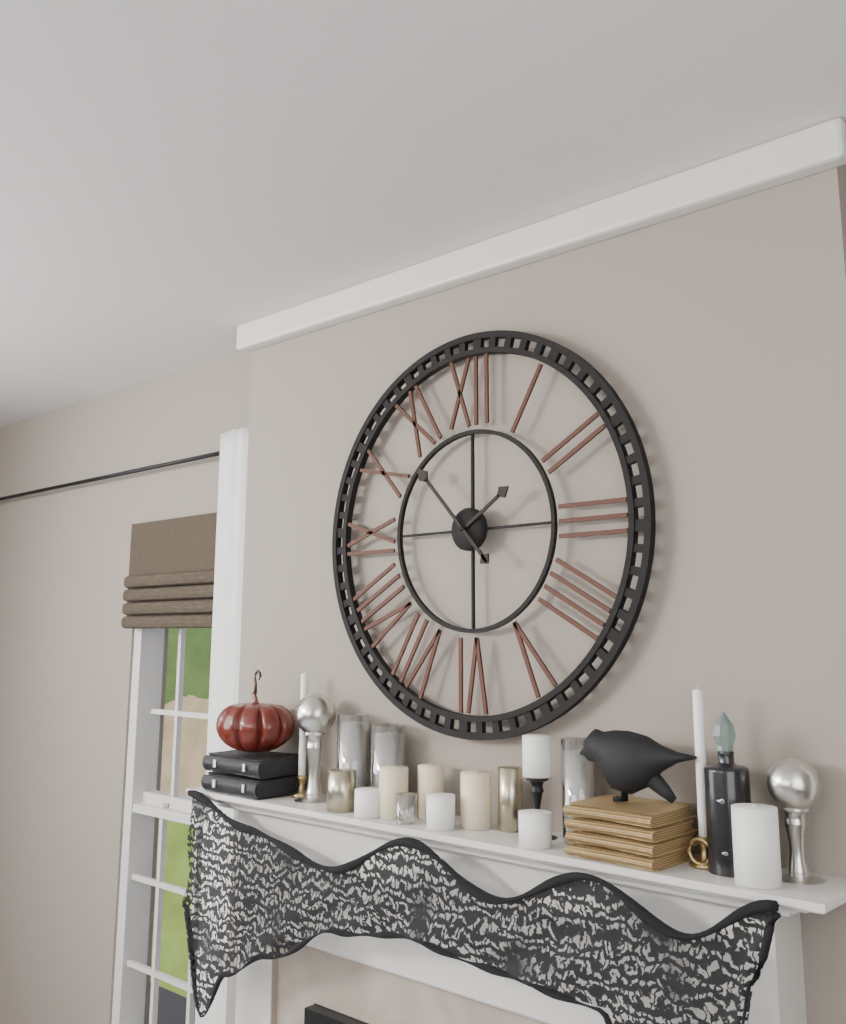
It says 1h53
